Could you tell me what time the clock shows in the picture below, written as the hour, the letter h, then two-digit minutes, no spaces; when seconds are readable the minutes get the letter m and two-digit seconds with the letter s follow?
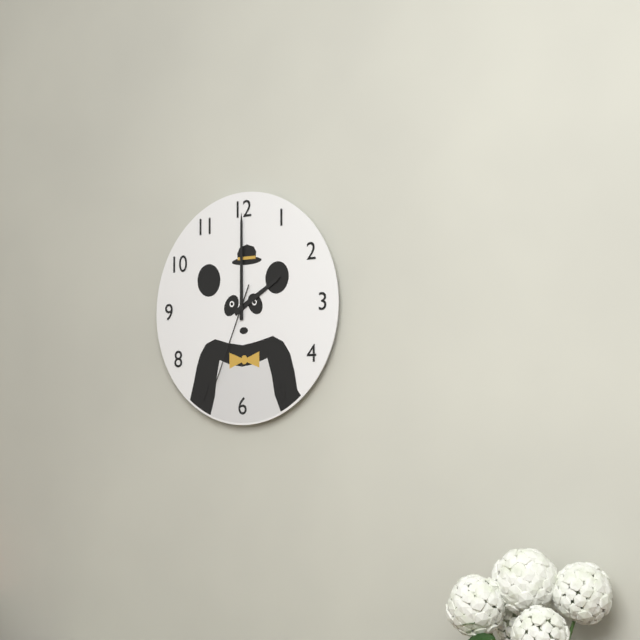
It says 2h00m34s
